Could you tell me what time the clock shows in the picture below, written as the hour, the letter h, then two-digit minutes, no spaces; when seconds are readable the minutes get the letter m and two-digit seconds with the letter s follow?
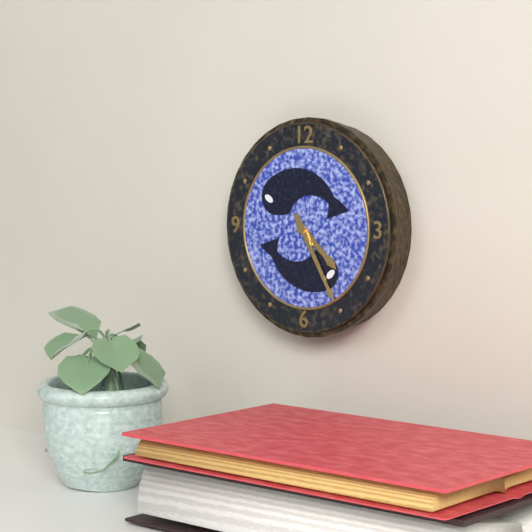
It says 4h25
